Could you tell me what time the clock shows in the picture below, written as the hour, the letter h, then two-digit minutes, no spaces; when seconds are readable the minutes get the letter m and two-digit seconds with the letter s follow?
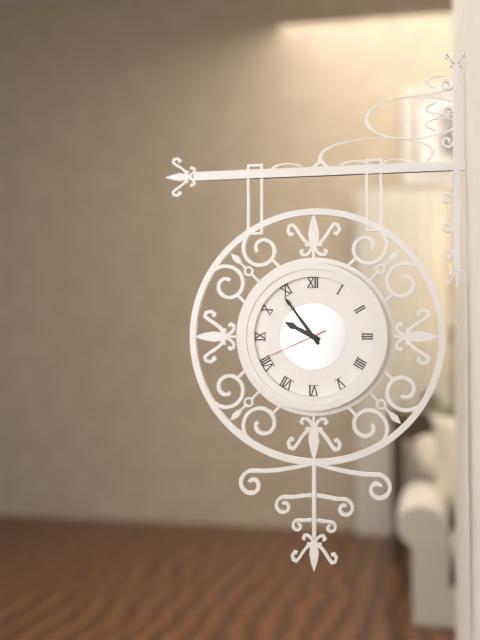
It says 9h54m41s
